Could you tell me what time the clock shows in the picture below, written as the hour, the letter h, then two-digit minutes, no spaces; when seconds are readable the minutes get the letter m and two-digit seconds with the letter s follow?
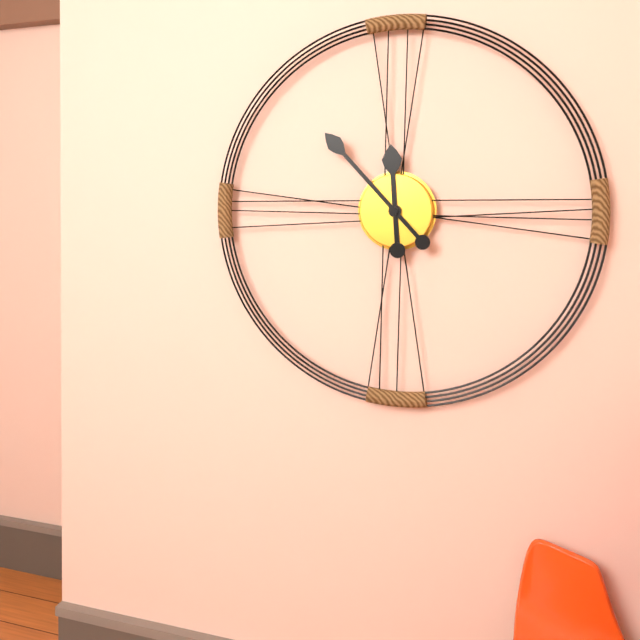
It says 11h53
